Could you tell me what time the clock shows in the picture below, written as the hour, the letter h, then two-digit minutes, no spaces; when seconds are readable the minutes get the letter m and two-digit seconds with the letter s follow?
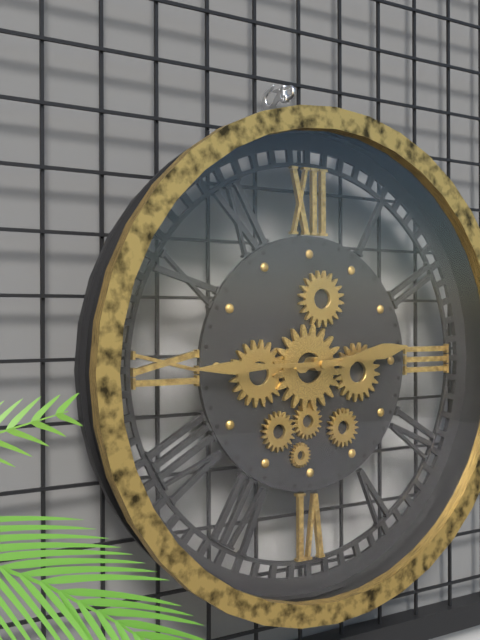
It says 2h45
